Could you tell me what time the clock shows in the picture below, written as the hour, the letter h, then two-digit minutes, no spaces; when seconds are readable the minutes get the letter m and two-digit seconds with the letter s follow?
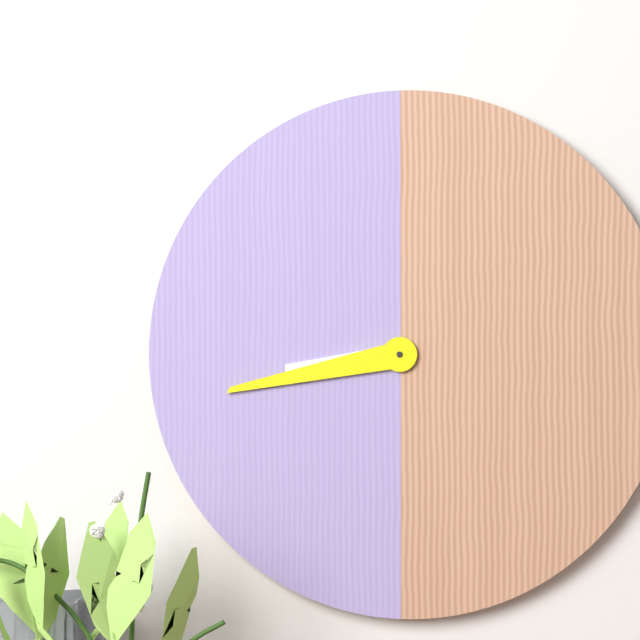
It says 8h43
